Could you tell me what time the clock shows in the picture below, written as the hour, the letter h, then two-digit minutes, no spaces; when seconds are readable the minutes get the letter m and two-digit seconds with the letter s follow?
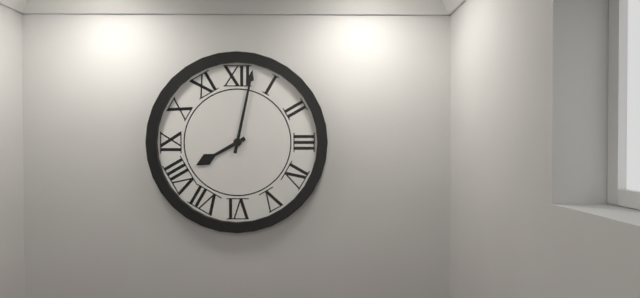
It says 8h02
